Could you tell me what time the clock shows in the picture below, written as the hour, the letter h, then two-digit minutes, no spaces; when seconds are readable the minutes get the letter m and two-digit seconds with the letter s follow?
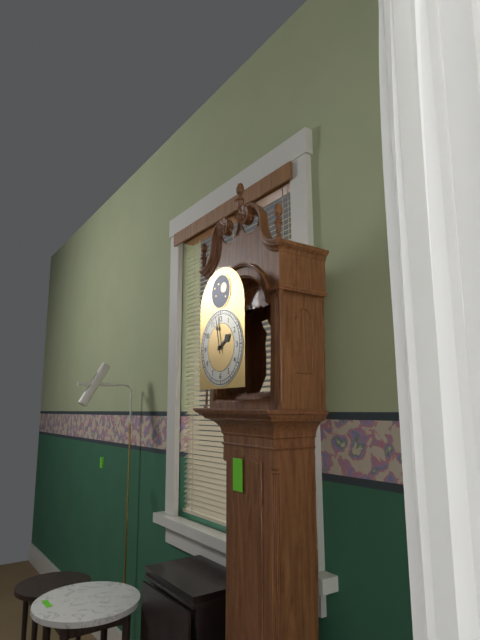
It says 1h58
